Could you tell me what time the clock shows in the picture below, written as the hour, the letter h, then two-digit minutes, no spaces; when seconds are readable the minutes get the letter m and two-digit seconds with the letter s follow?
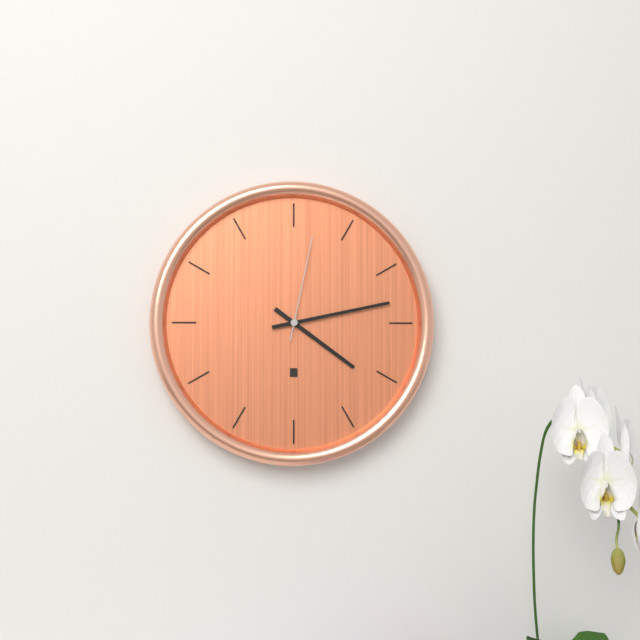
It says 4h13m02s
